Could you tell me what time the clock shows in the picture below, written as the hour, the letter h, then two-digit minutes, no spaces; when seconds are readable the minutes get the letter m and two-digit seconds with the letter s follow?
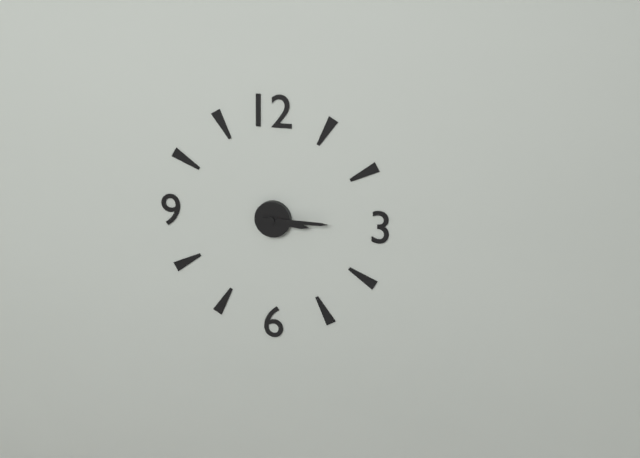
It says 3h15
